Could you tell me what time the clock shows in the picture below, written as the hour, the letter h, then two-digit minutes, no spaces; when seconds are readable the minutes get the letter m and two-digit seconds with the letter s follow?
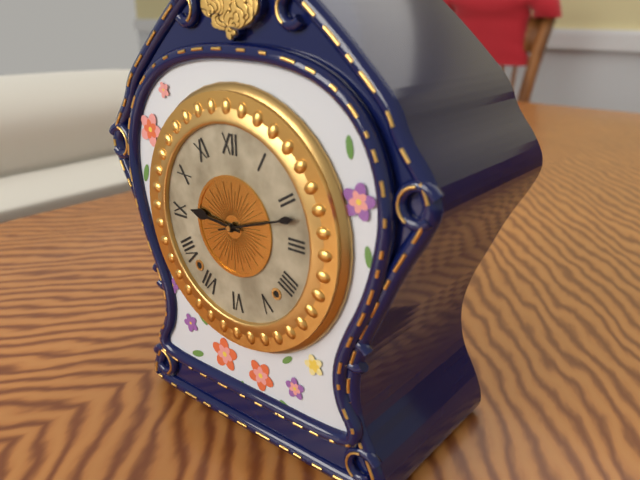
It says 9h12
